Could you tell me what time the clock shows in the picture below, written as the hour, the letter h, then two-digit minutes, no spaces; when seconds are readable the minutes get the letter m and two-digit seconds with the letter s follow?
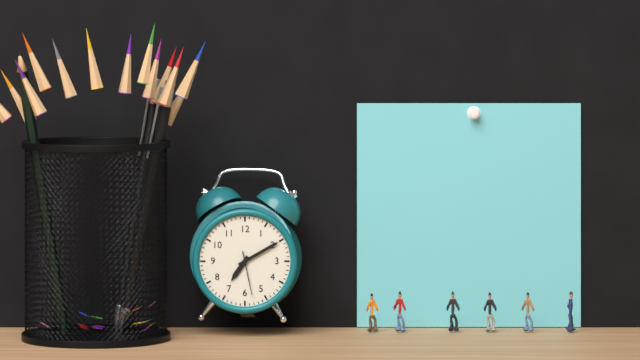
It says 7h10
